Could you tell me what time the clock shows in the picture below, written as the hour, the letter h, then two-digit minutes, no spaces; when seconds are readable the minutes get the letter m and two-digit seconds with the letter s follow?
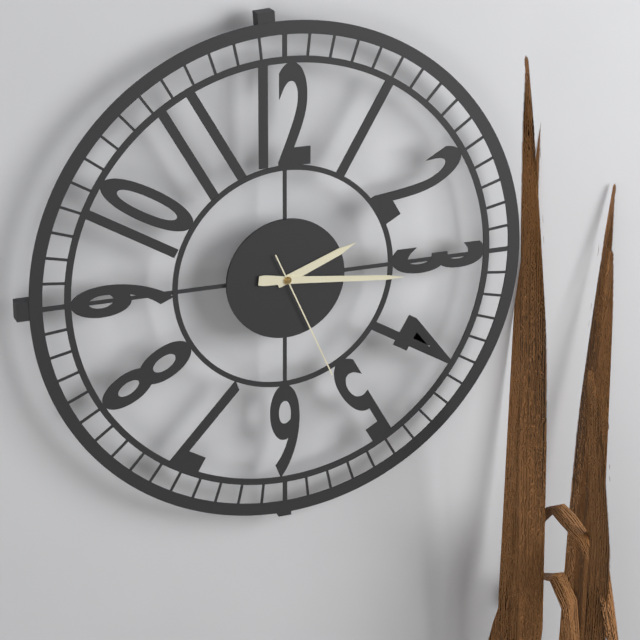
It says 2h16m26s
